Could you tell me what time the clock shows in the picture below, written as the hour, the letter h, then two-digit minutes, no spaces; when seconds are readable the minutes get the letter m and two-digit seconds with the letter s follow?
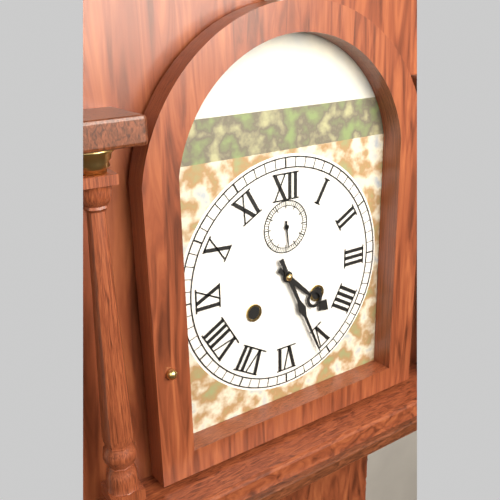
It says 4h26
